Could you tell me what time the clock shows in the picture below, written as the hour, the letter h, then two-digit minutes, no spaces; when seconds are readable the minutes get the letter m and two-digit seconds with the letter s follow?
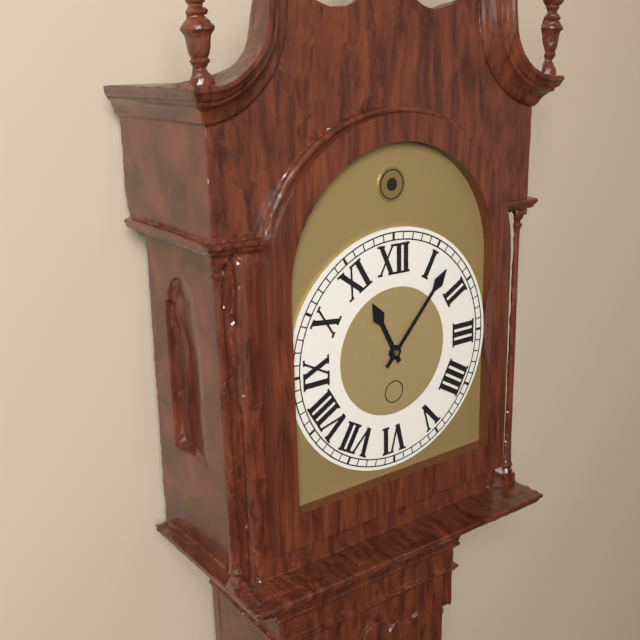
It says 11h07
